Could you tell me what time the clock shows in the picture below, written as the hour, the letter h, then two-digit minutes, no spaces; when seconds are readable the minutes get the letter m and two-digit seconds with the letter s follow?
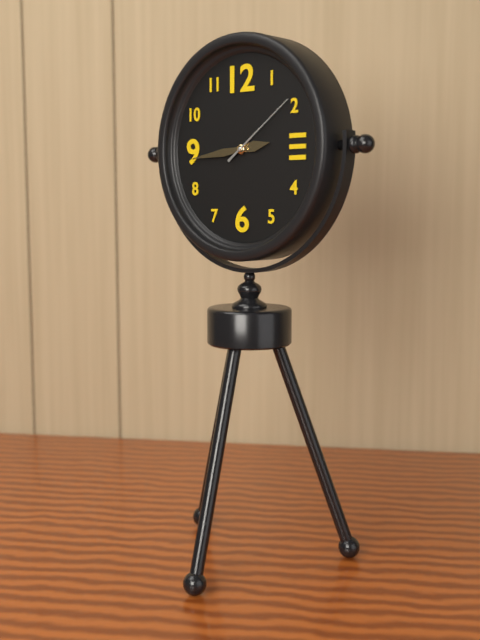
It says 2h44m09s
